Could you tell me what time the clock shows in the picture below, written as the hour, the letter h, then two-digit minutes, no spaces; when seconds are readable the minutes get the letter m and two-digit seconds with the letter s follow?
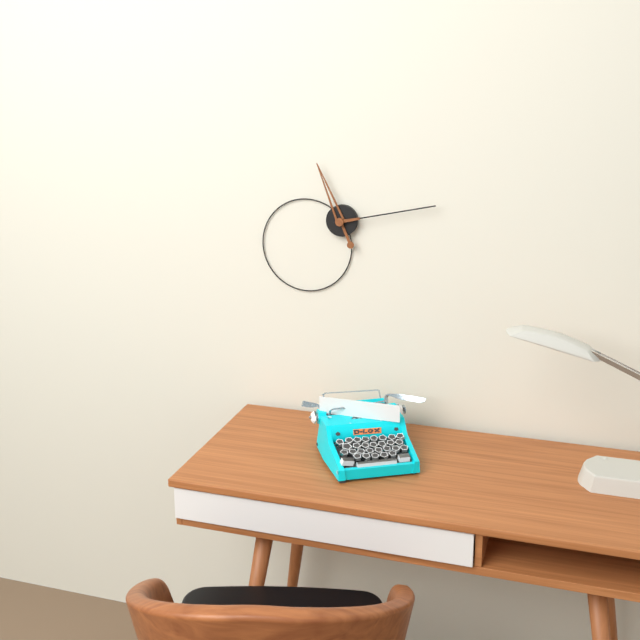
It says 11h13
